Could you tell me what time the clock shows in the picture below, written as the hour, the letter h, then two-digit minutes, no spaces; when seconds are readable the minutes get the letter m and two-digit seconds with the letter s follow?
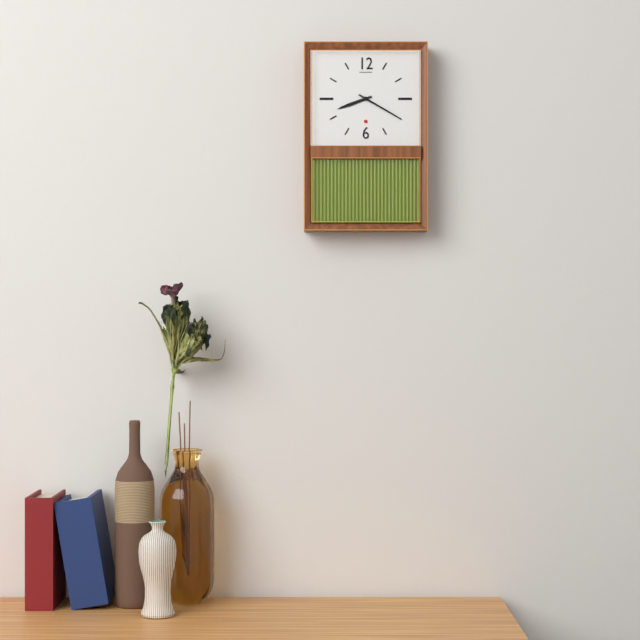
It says 8h20
